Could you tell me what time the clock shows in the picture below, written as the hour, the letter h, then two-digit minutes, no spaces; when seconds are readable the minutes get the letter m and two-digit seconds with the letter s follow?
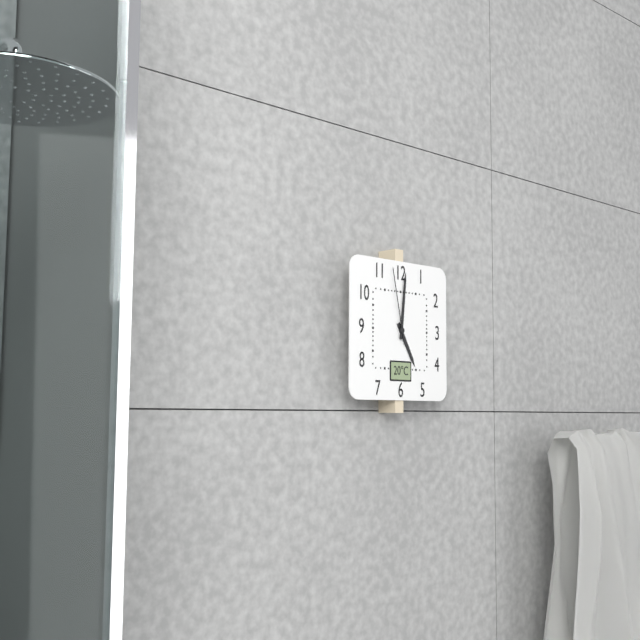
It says 5h01m58s
